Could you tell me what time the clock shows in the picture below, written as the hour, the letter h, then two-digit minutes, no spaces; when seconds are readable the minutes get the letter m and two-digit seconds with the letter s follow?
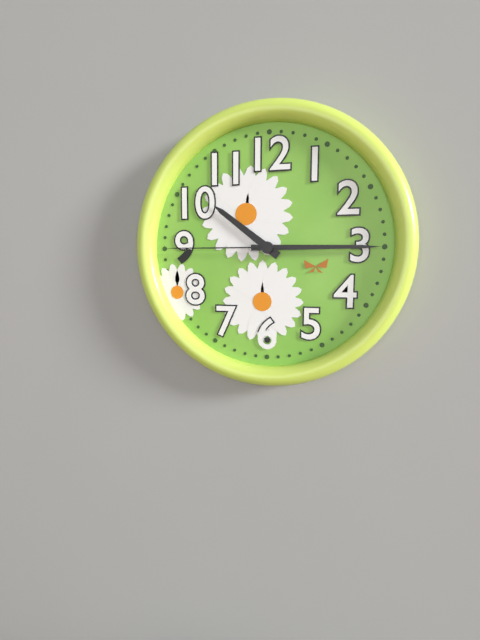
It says 10h15m45s
